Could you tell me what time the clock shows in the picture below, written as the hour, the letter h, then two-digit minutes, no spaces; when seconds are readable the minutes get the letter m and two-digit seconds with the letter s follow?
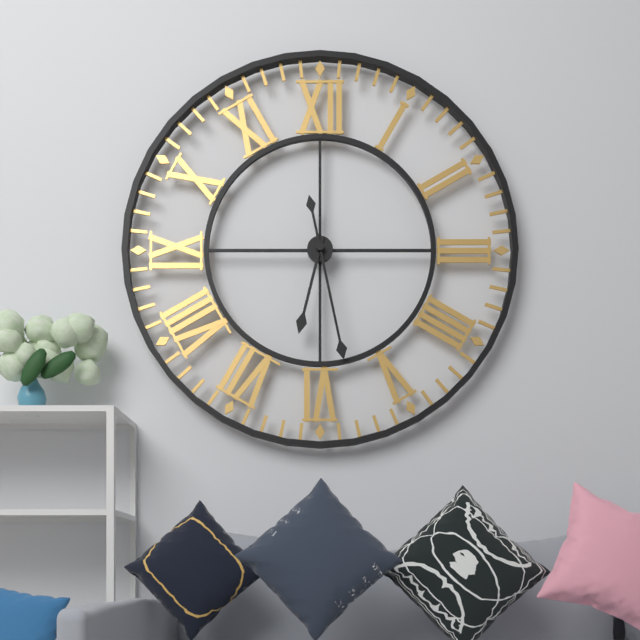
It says 6h28
